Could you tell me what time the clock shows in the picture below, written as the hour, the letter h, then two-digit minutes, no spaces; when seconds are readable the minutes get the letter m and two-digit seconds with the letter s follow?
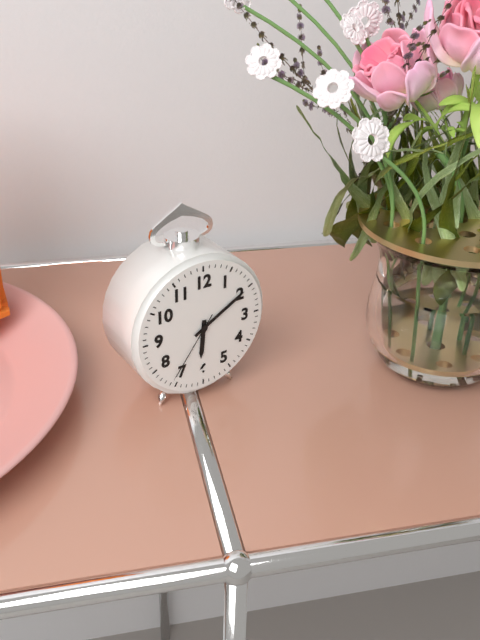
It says 6h10m36s
